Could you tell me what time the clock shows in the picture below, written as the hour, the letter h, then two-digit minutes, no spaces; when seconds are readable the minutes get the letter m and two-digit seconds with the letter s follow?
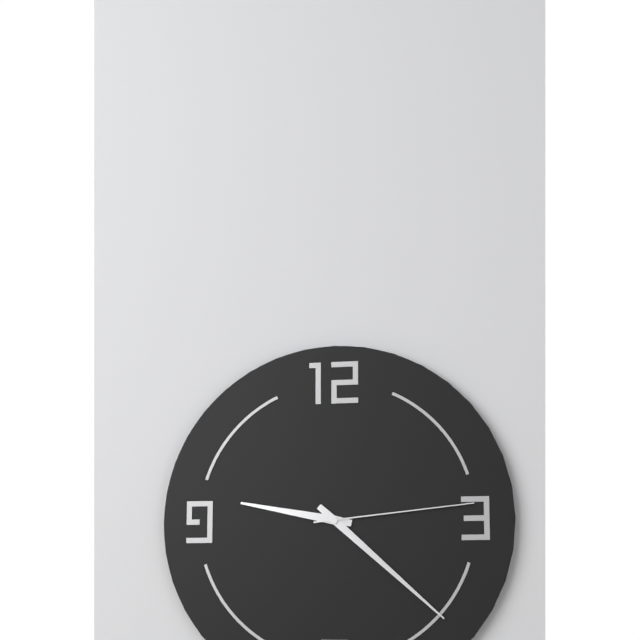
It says 9h22m14s
